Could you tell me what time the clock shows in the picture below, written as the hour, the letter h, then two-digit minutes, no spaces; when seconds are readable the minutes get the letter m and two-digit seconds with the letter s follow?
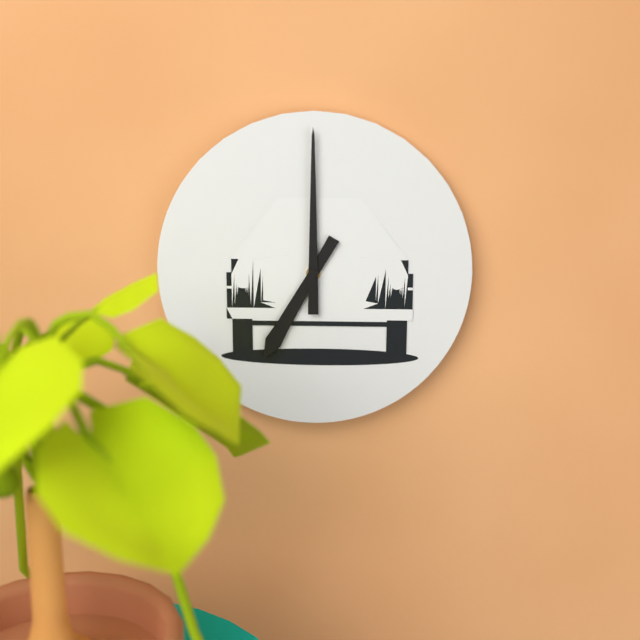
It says 7h00
